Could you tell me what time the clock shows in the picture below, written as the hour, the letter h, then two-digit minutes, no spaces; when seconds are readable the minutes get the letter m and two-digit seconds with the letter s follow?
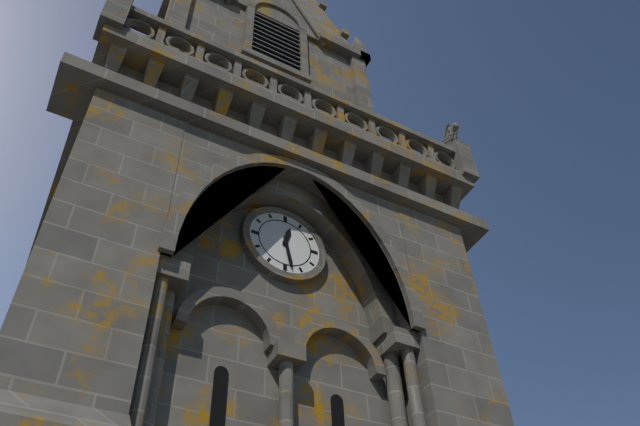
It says 12h28
